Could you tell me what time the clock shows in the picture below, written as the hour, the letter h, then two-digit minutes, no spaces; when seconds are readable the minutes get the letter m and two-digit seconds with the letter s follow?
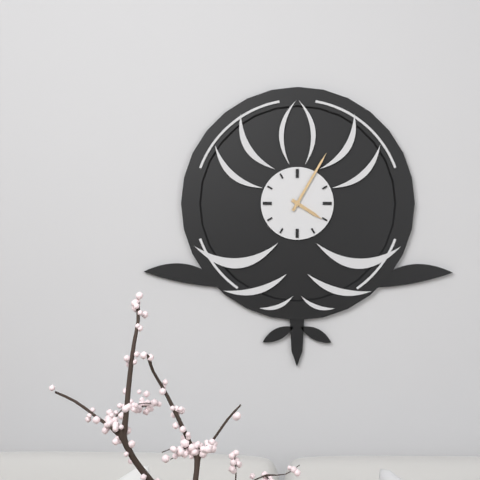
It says 4h05
